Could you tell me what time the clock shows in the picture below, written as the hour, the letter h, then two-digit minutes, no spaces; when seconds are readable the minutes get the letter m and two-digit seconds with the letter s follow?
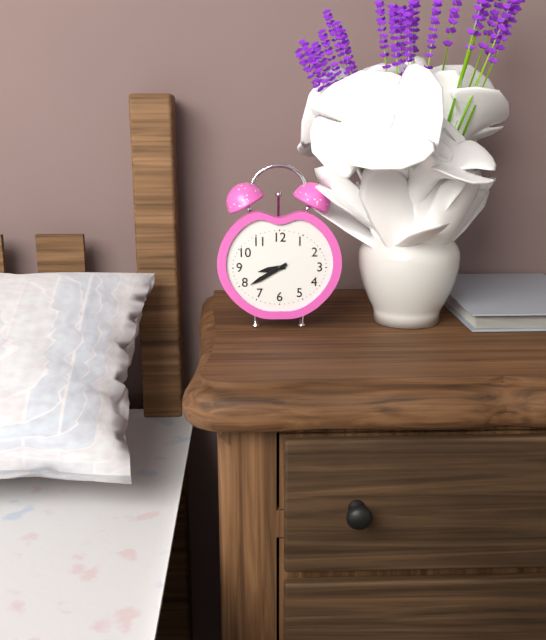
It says 8h40
